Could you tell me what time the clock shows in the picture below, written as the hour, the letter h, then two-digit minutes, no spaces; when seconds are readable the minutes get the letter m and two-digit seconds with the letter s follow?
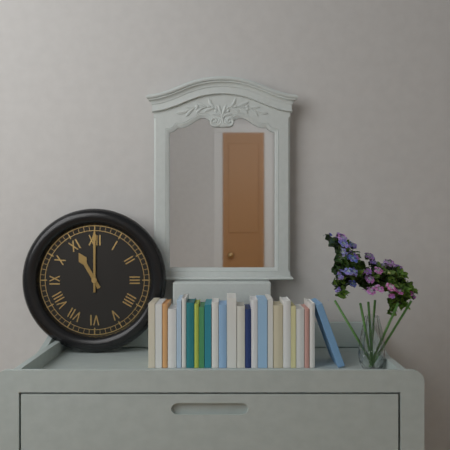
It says 11h00
